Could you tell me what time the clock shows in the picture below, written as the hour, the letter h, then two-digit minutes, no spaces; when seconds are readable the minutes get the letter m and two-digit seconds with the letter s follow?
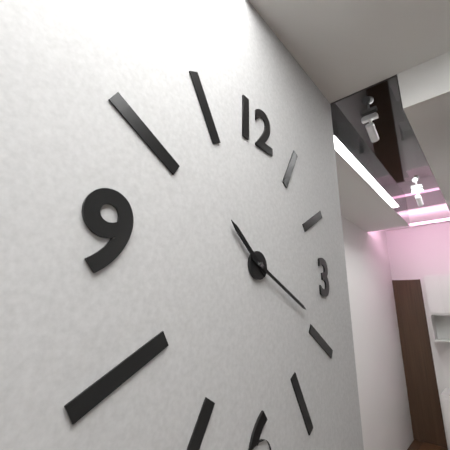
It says 10h19
